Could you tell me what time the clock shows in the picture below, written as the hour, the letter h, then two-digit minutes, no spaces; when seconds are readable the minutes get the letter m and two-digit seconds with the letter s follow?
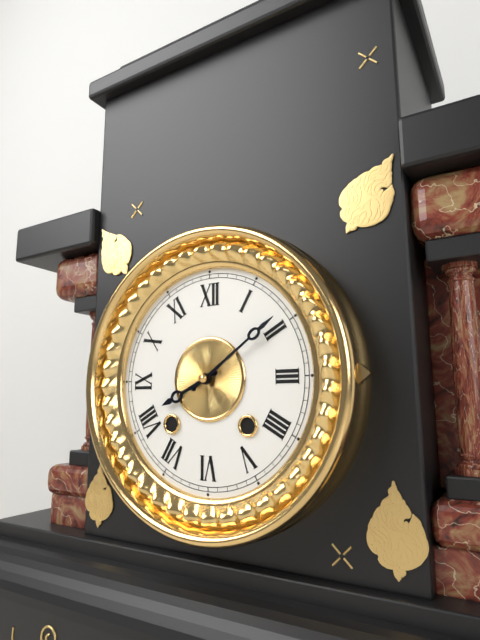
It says 8h09
